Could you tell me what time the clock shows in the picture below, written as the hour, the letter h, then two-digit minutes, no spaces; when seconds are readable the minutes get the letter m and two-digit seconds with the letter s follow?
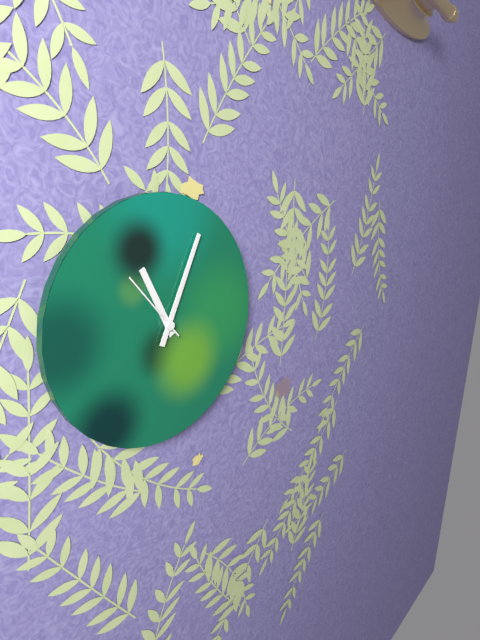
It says 11h04m53s
